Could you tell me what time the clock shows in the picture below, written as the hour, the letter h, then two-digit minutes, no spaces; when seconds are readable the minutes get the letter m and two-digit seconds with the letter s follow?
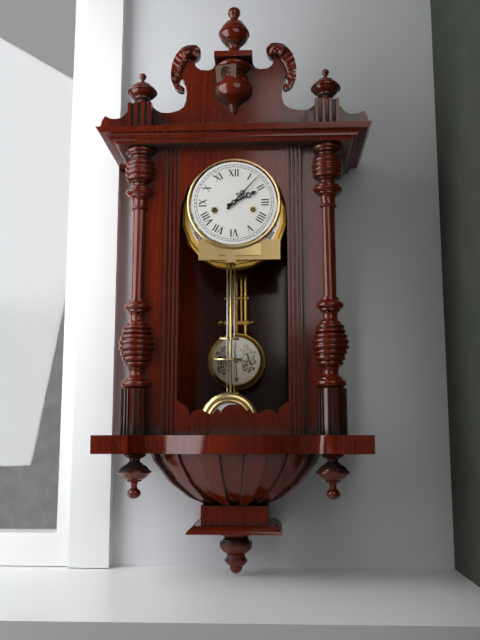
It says 2h07
